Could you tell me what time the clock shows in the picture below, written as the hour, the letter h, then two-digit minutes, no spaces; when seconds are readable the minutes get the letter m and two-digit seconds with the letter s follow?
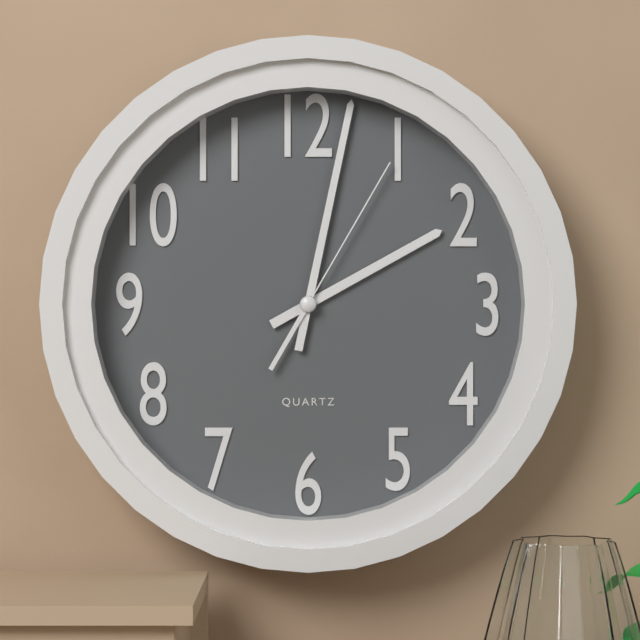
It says 2h02m05s
